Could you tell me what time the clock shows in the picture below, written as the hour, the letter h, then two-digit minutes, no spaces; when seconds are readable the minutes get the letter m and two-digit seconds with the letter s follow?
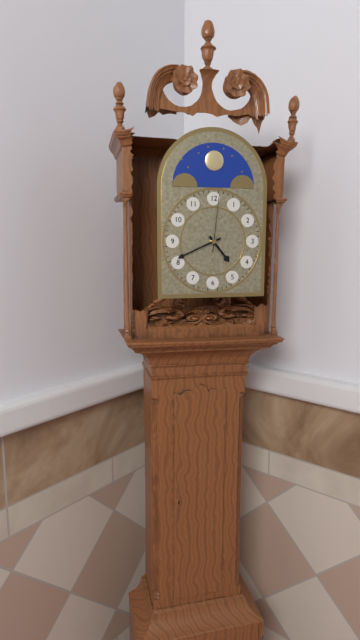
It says 4h41m01s
